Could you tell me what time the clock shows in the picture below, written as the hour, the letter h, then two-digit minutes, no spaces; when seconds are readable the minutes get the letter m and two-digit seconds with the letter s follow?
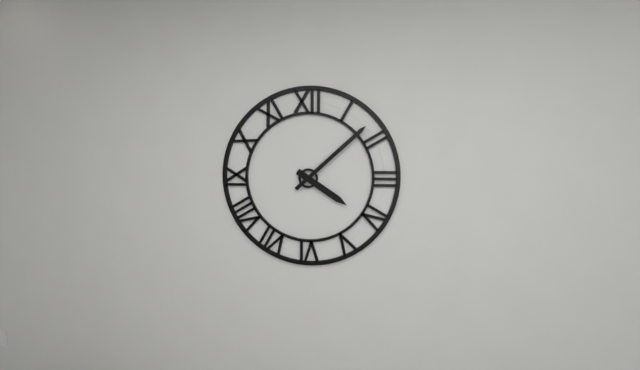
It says 4h08
